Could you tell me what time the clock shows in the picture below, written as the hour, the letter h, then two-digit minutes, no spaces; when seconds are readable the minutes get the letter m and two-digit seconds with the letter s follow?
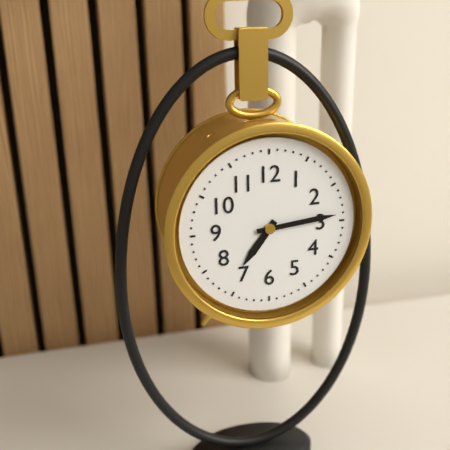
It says 7h14
